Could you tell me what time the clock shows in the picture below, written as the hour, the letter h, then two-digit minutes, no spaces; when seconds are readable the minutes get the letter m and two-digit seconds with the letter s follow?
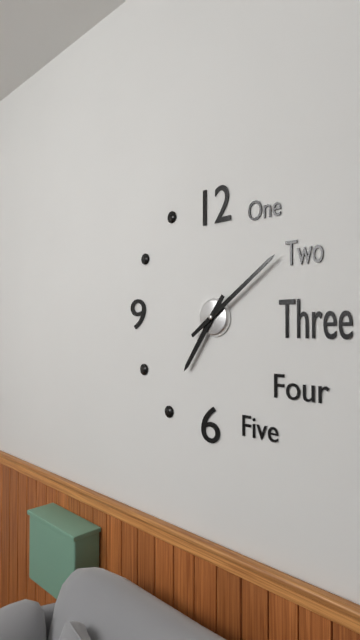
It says 7h09
